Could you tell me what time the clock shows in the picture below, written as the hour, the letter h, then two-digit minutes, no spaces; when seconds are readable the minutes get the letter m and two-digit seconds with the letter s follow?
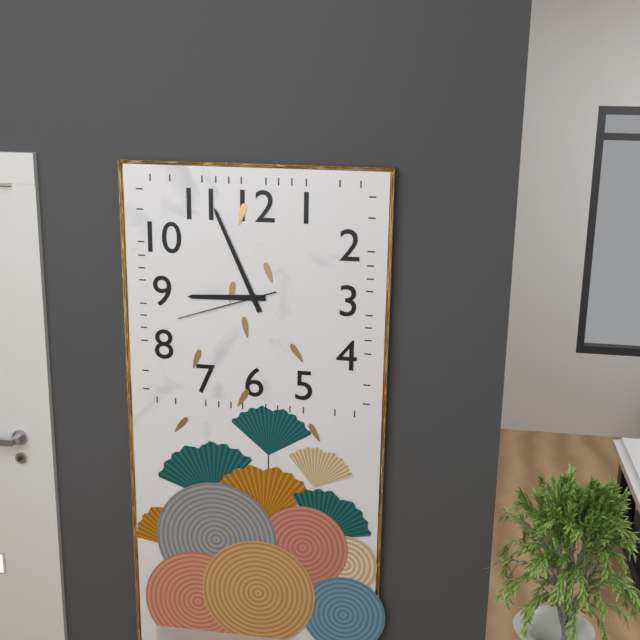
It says 8h56m42s
